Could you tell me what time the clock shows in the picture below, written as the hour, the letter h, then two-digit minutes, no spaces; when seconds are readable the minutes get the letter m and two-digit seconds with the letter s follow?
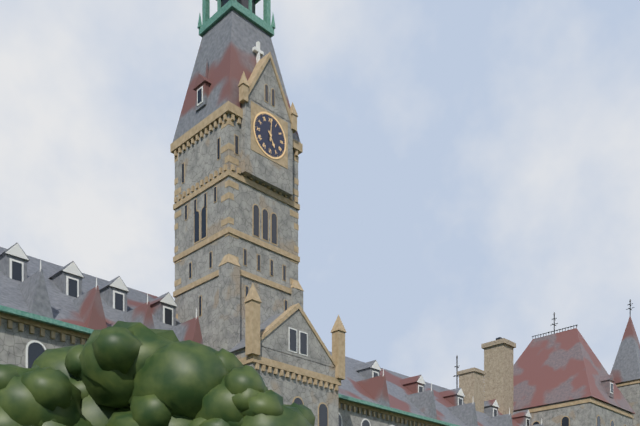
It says 5h01
